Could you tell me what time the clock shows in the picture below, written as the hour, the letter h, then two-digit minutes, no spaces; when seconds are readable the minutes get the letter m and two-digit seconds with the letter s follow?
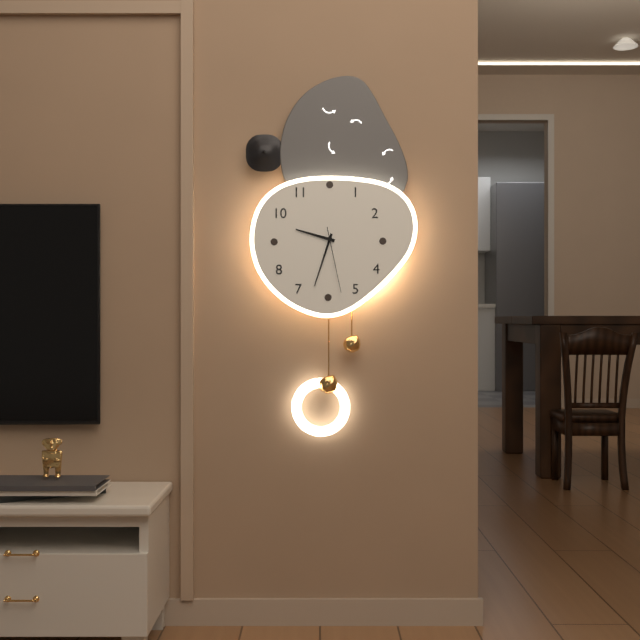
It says 9h33m28s
